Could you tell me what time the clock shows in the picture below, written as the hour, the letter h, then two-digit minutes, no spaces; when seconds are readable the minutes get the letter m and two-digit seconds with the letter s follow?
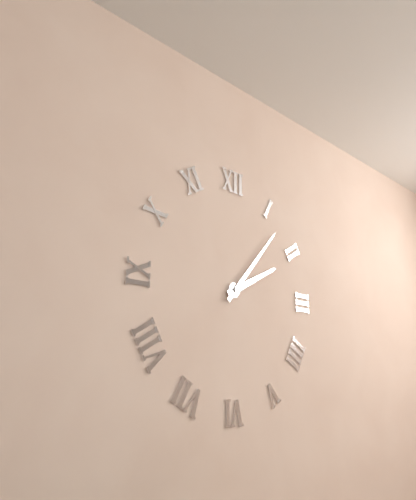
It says 2h07
